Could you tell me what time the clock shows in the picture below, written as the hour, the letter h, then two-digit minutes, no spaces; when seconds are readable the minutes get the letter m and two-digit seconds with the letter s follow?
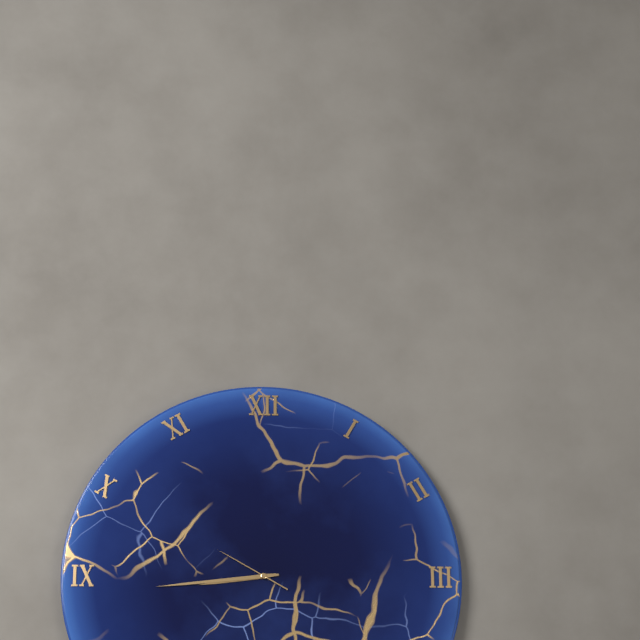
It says 8h44m50s
